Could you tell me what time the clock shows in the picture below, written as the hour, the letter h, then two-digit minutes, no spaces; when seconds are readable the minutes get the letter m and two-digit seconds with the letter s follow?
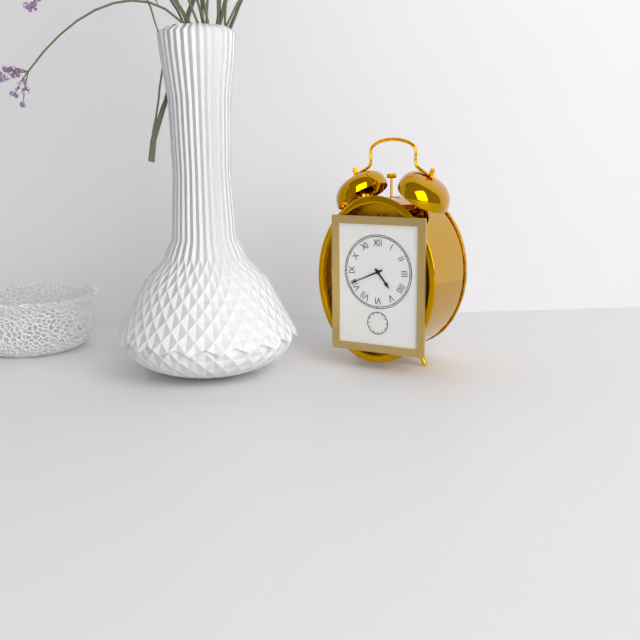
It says 4h41
